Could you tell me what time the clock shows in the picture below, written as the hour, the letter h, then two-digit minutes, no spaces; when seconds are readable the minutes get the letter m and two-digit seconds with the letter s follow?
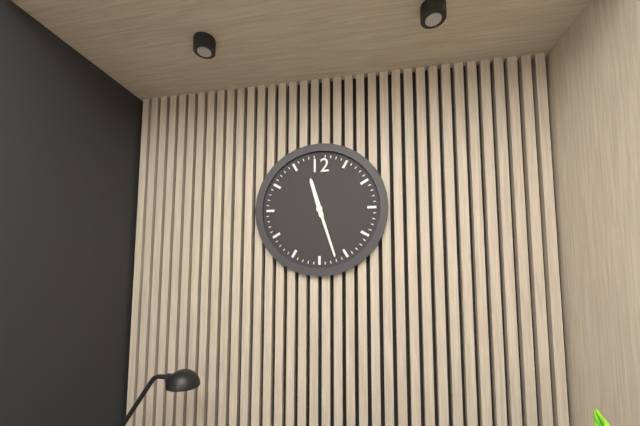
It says 11h27
